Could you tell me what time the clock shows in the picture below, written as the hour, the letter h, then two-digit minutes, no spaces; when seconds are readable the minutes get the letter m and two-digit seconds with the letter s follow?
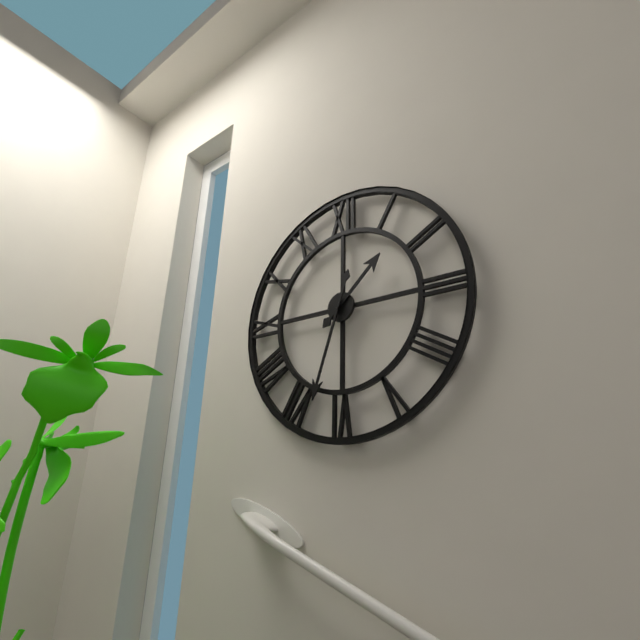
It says 1h33
